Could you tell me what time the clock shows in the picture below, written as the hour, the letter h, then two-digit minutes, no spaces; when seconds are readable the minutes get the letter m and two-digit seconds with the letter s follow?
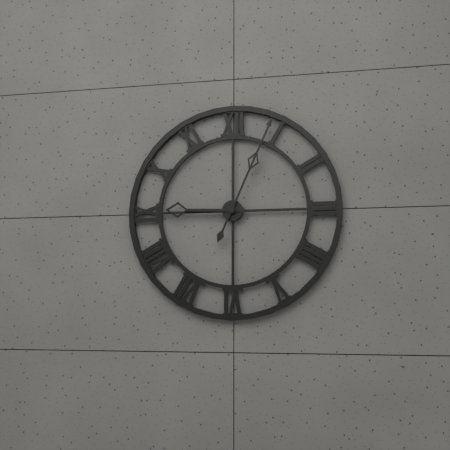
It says 9h04
